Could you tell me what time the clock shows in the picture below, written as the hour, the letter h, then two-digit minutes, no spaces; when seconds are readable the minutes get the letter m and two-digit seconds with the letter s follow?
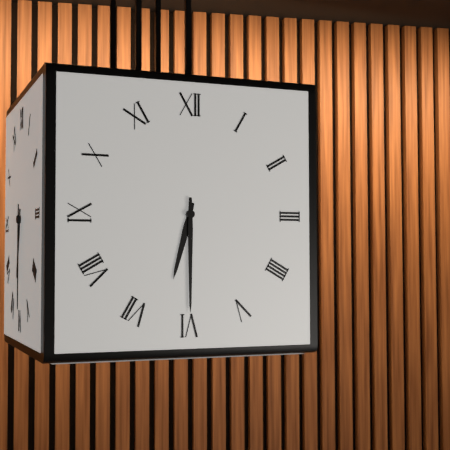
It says 6h30
